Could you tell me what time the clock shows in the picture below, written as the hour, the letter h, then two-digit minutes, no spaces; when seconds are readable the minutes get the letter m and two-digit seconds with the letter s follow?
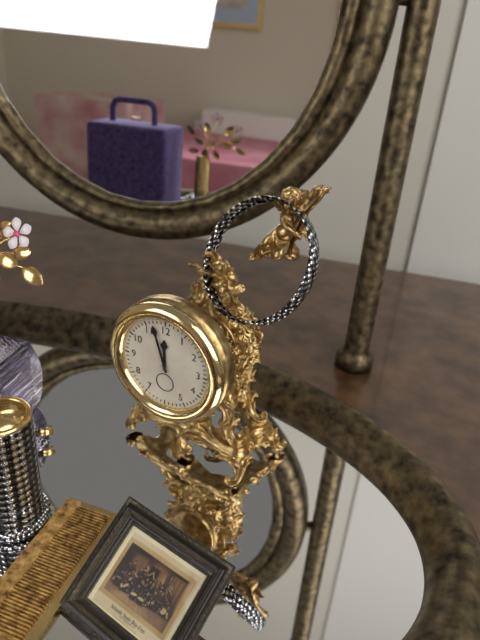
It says 11h57
